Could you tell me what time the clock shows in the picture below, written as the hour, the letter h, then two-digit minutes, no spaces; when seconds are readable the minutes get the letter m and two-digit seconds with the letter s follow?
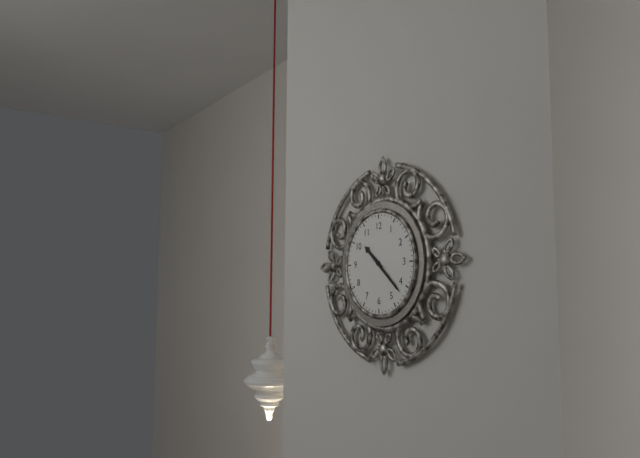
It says 10h22
